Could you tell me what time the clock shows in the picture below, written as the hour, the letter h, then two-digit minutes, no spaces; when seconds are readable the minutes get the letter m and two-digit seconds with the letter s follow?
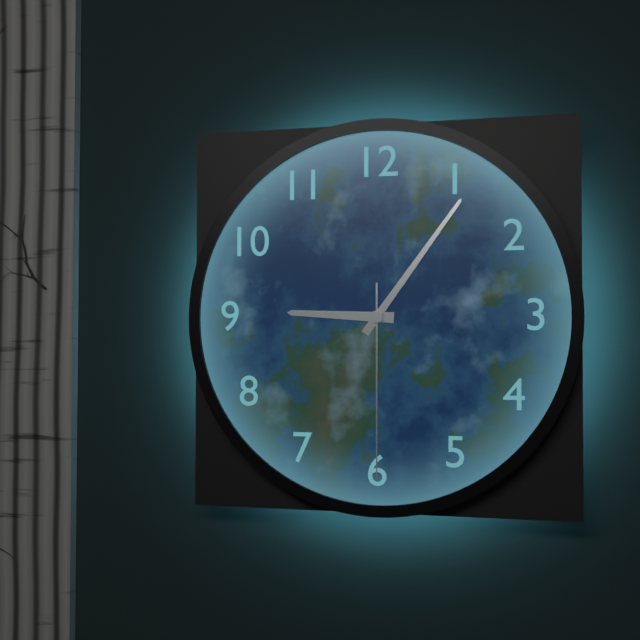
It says 9h06m30s
